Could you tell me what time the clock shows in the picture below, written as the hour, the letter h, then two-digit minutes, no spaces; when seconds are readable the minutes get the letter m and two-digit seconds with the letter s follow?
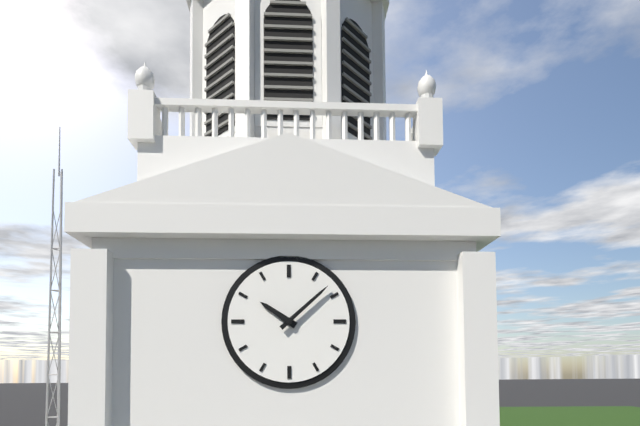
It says 10h08
